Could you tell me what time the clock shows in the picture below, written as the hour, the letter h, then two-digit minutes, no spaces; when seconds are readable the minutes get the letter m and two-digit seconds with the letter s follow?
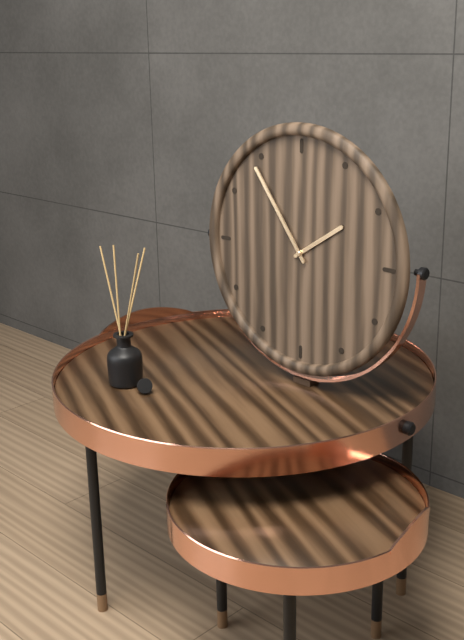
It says 1h54
